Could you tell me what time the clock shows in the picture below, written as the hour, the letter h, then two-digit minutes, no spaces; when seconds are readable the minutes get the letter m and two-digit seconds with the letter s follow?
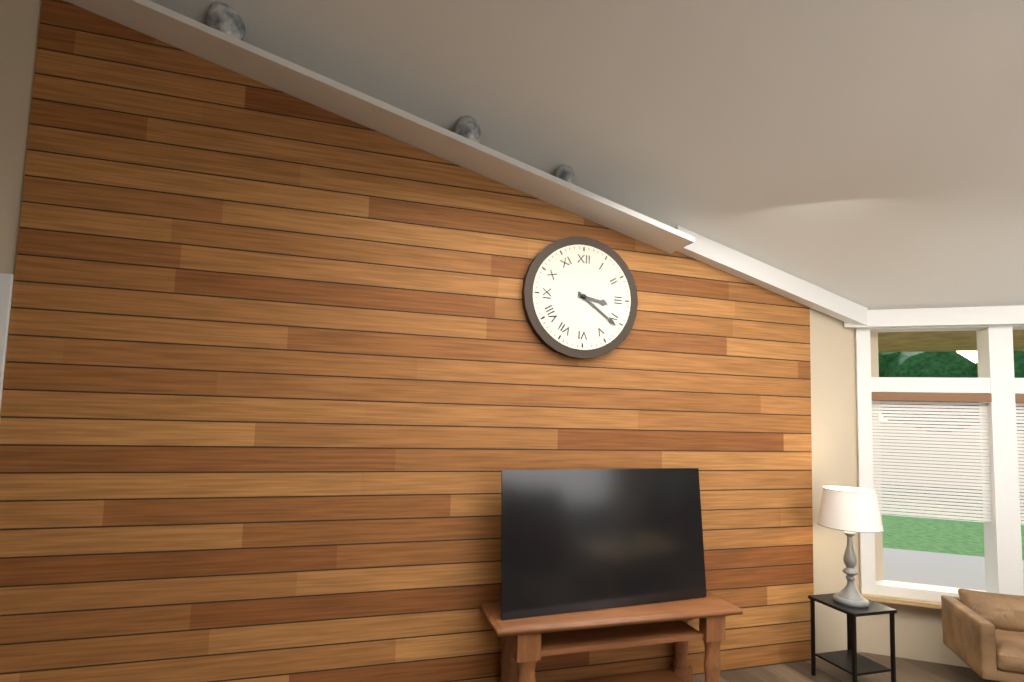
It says 3h21
